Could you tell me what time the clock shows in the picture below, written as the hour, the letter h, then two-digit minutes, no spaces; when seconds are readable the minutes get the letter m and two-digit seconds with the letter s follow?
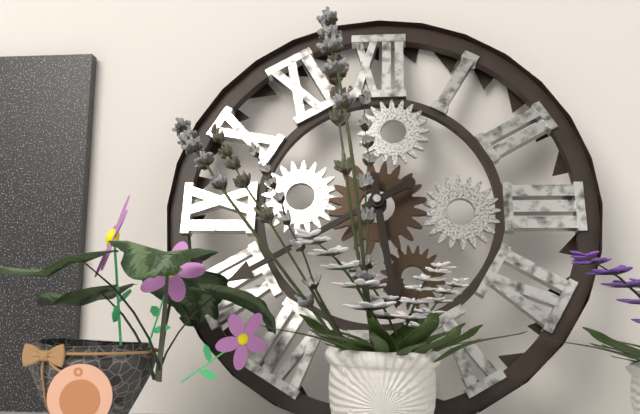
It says 5h40
